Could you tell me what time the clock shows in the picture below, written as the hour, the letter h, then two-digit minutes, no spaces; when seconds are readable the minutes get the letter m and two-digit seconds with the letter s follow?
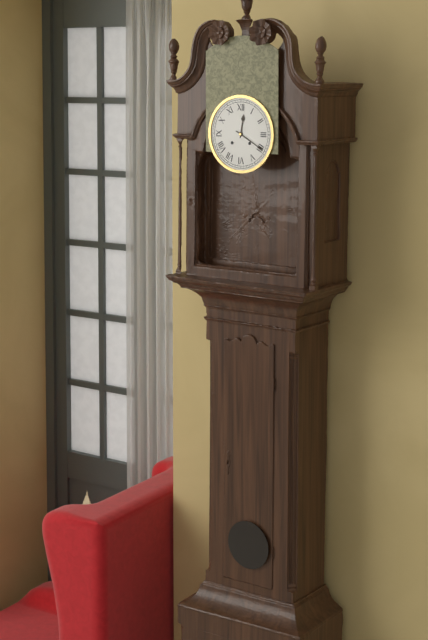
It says 12h20
